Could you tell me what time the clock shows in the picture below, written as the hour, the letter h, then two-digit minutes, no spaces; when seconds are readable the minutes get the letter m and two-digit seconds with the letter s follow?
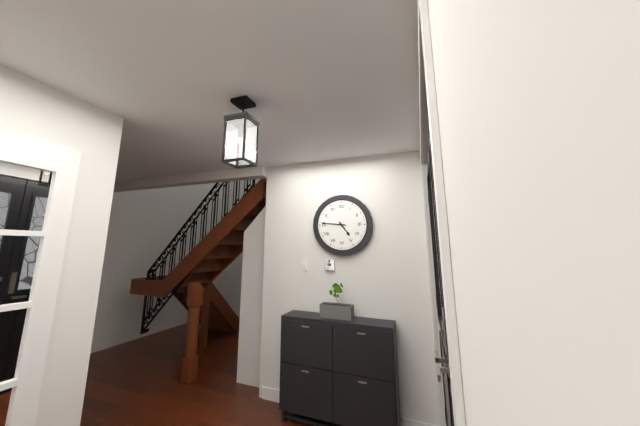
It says 4h46
